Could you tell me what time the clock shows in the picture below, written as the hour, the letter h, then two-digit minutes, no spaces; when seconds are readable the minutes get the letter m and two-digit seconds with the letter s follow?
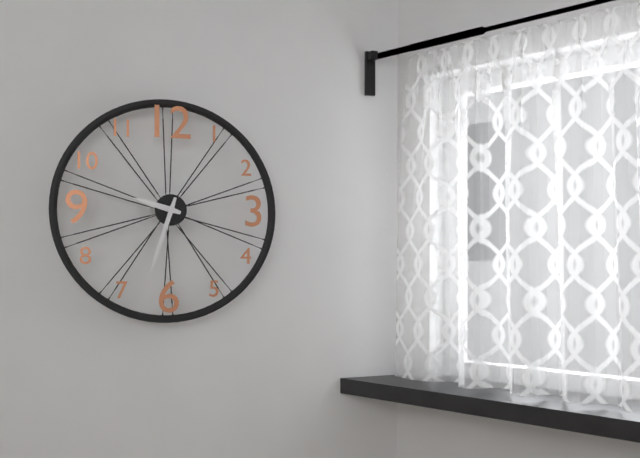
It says 9h33
